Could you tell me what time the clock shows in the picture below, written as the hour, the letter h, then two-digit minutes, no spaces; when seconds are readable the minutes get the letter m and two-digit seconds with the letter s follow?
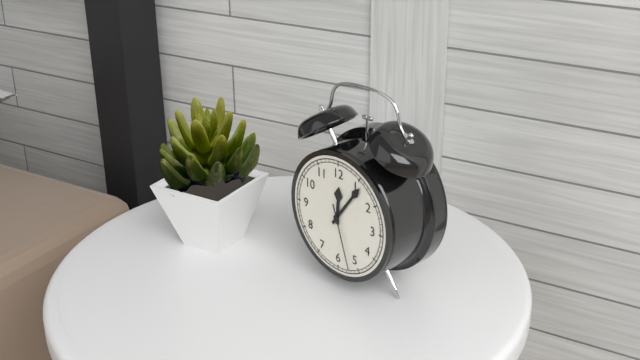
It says 12h06m27s
